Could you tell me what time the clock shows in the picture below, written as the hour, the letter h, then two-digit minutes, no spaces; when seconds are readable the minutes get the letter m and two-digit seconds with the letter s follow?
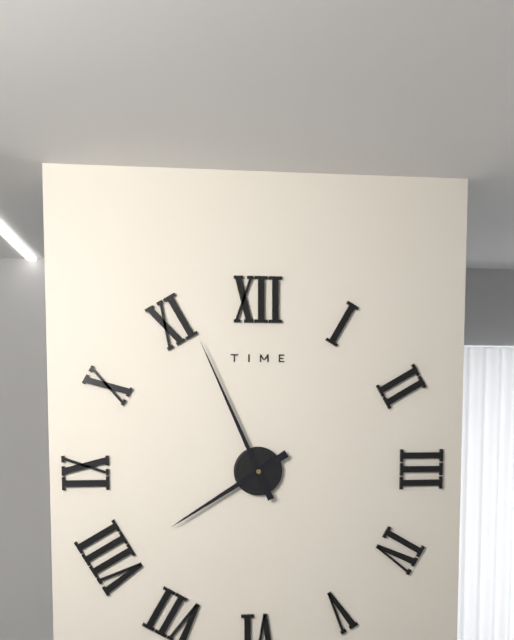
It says 7h56
